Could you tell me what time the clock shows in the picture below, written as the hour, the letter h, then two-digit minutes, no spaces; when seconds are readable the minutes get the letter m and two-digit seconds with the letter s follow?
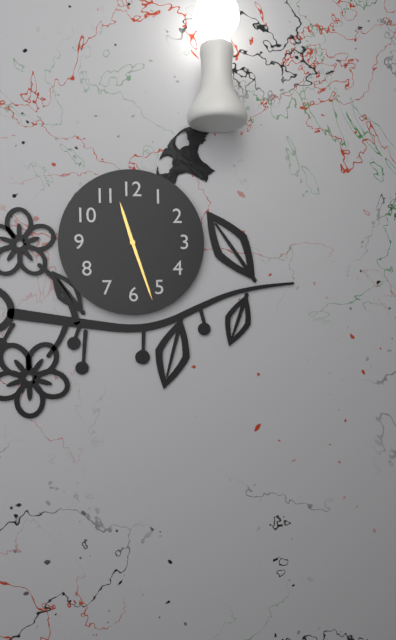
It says 11h27
